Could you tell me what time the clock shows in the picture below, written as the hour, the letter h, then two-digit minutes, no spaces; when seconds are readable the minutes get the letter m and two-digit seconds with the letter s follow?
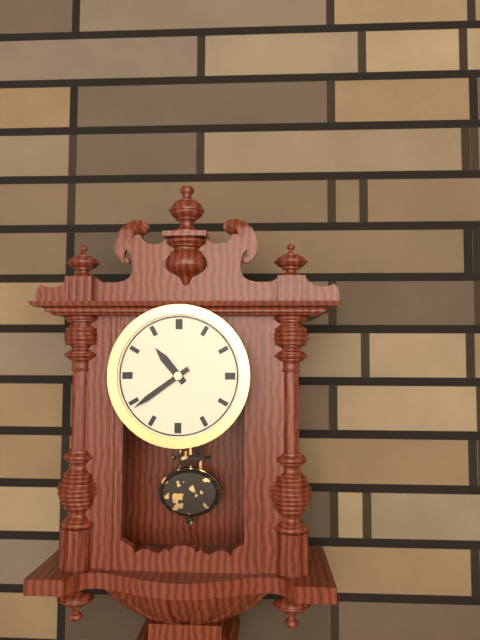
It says 10h39
